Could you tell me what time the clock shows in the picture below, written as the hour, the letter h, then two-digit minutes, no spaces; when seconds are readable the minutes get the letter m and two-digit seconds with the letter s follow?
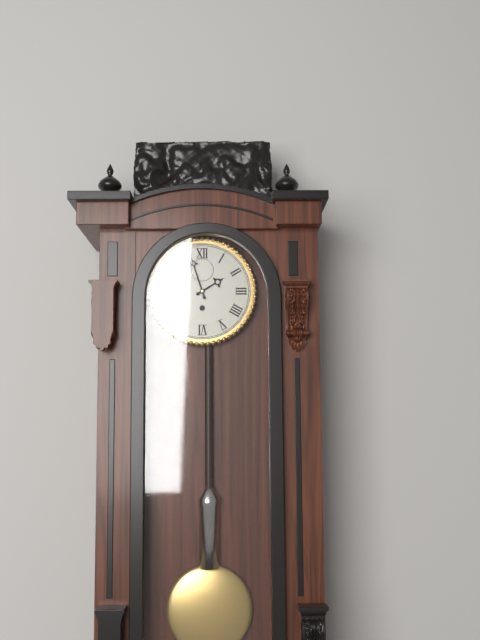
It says 1h57
